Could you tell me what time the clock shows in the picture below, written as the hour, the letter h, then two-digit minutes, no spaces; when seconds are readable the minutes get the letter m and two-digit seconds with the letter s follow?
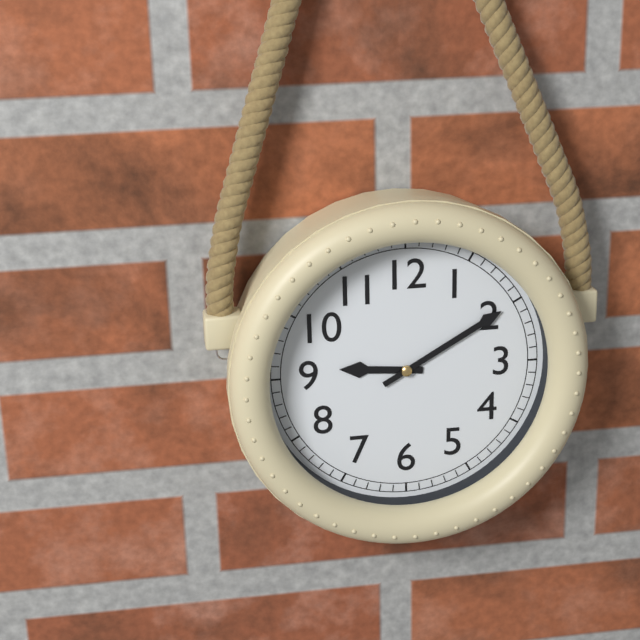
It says 9h10
